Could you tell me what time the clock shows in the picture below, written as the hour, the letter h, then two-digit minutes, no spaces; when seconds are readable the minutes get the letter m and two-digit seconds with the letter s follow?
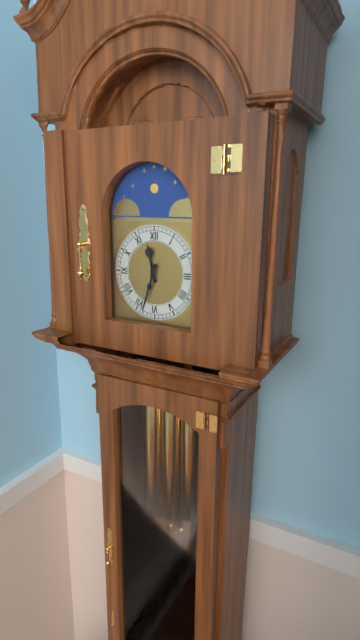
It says 11h33
